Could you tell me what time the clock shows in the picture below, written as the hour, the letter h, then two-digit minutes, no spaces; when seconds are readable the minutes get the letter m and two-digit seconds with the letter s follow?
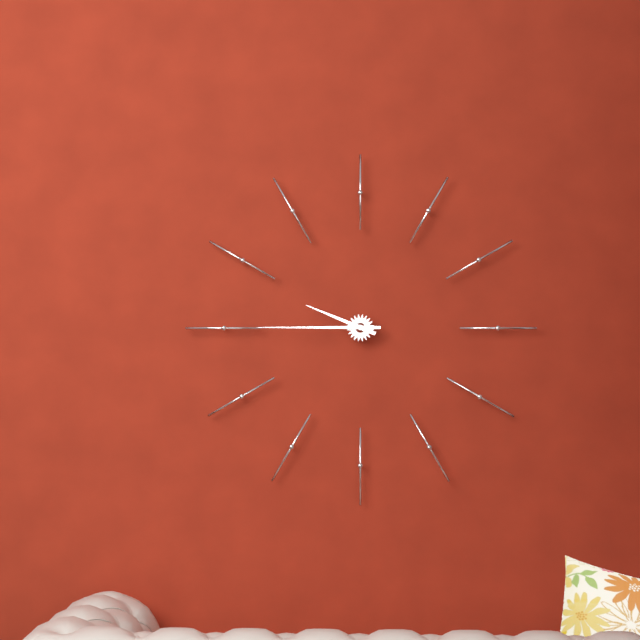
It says 9h45
